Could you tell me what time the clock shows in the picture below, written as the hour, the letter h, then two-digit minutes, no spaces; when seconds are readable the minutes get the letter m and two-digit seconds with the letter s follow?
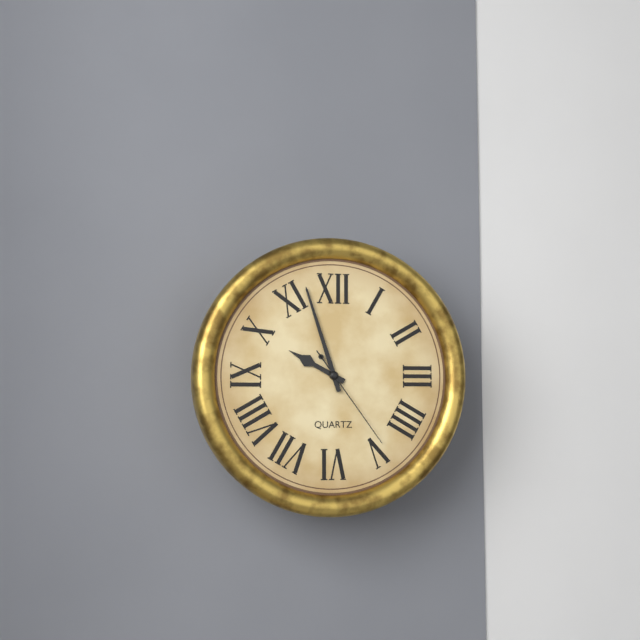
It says 9h57m24s
